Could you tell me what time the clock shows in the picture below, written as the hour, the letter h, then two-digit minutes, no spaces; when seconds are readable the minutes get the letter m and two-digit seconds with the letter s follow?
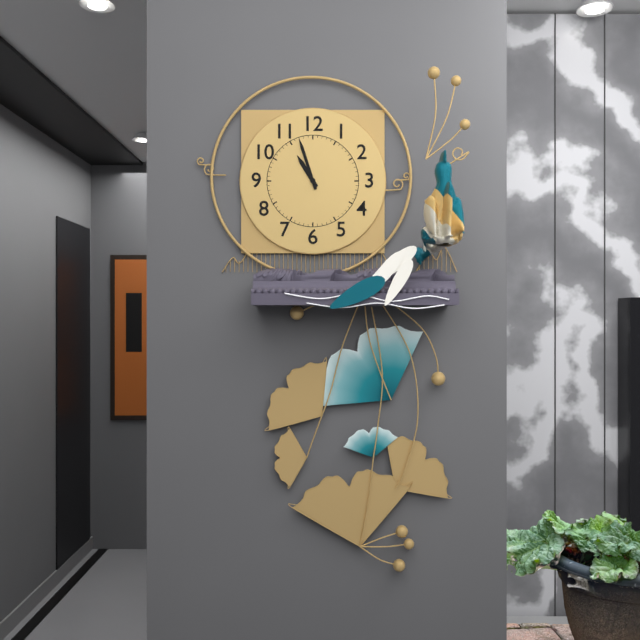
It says 10h57
